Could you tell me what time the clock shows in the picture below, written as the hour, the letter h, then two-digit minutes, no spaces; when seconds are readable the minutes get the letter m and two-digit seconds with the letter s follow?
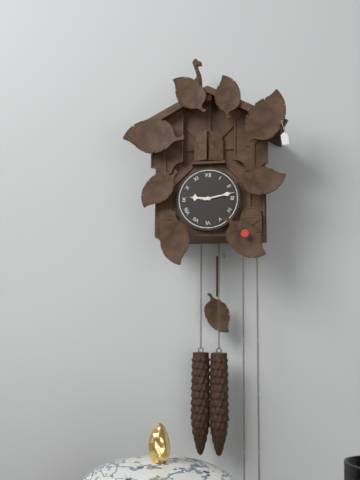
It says 9h13
